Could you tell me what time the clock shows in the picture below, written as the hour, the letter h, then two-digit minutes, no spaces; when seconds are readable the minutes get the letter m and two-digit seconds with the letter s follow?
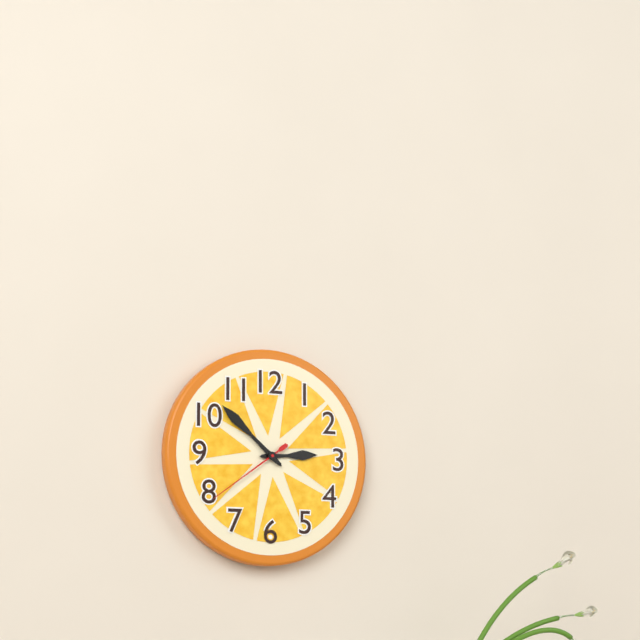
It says 2h52m39s
